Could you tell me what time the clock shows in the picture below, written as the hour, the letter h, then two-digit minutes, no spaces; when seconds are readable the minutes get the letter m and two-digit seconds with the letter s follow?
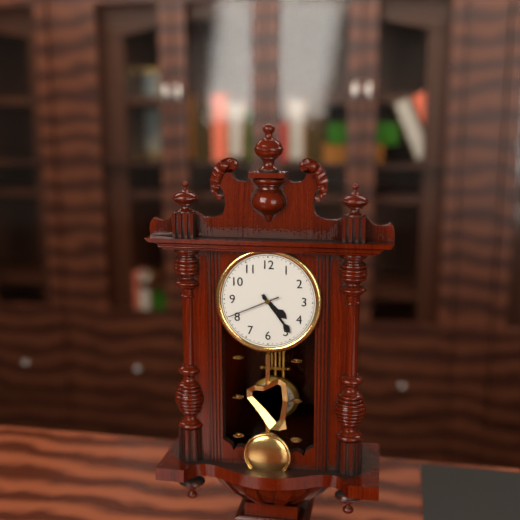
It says 4h24m41s
